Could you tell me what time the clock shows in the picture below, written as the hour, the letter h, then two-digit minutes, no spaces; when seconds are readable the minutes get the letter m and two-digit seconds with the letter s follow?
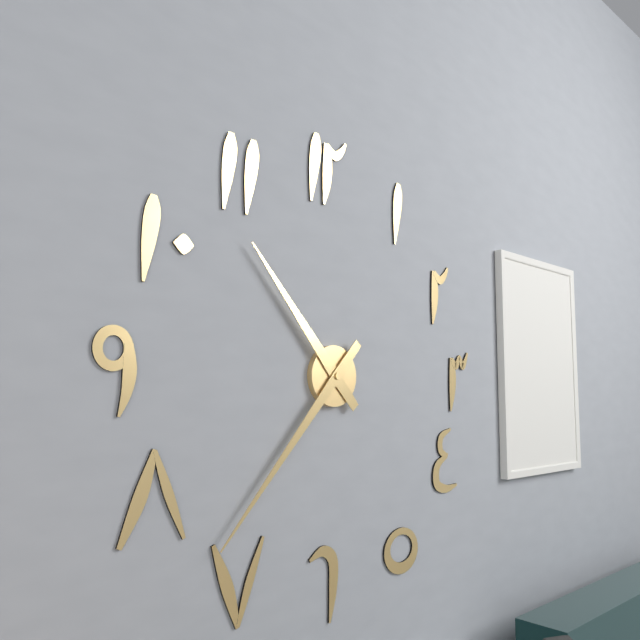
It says 10h37
